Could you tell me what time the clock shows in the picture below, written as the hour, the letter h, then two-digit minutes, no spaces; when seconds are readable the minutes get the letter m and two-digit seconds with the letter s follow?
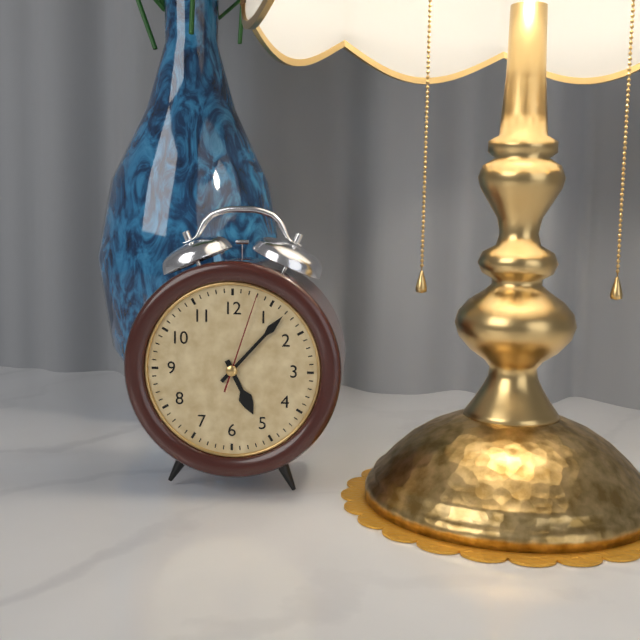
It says 5h07m03s
